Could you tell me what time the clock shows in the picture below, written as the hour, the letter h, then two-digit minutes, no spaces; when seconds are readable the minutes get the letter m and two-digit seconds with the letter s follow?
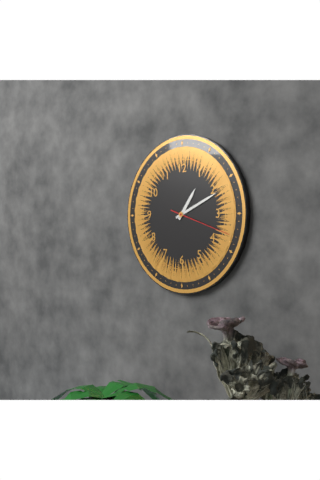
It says 1h11m18s
